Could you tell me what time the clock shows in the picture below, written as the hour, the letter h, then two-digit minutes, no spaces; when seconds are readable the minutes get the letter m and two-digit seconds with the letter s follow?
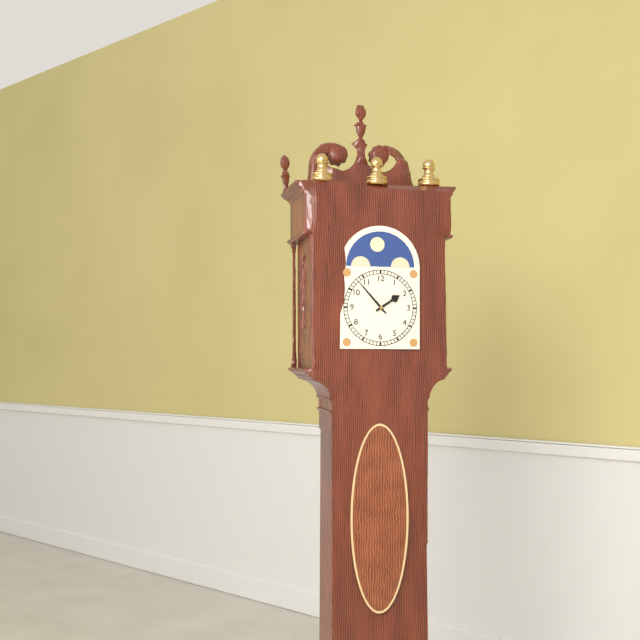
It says 1h53
